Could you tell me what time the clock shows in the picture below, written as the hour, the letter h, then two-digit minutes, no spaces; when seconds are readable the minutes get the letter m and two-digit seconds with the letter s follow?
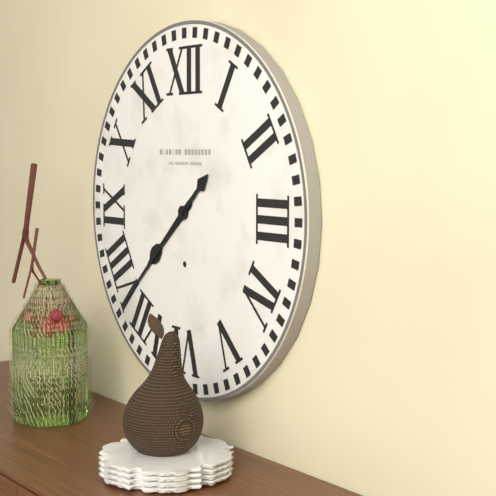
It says 7h38
